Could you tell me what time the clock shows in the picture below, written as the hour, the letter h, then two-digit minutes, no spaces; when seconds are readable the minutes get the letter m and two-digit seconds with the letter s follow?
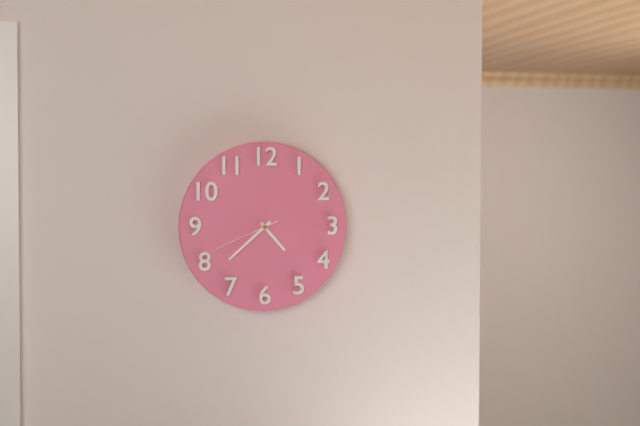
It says 4h38m41s
